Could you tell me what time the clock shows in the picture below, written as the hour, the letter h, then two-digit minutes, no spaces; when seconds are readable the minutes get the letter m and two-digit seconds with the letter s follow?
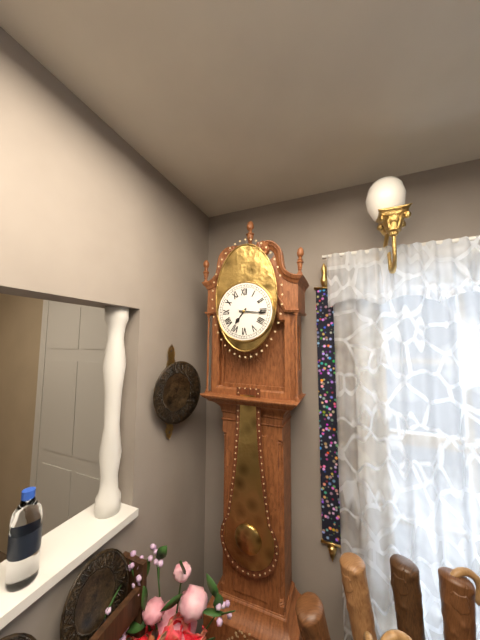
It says 7h16
